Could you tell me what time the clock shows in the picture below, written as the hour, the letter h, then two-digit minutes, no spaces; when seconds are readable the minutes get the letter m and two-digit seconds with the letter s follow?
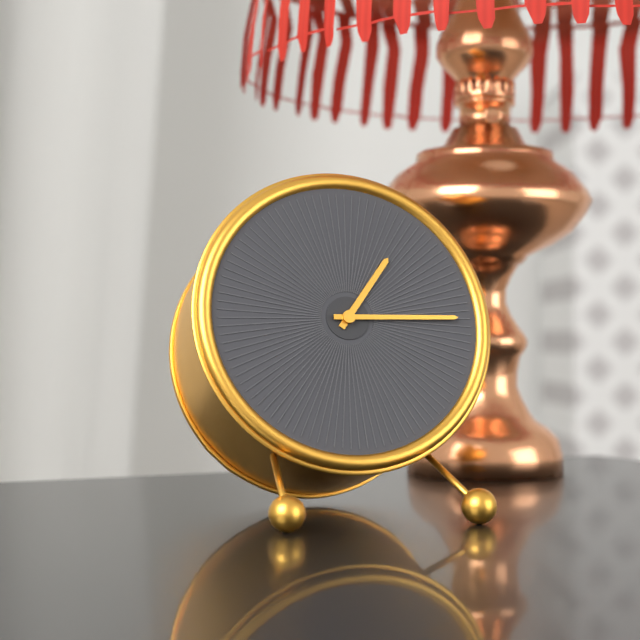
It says 1h15
